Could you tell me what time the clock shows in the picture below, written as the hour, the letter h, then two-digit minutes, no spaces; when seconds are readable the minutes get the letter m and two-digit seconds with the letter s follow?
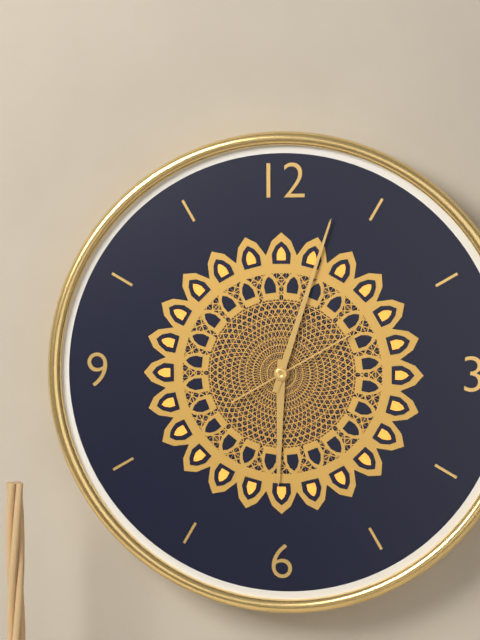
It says 6h03m10s
